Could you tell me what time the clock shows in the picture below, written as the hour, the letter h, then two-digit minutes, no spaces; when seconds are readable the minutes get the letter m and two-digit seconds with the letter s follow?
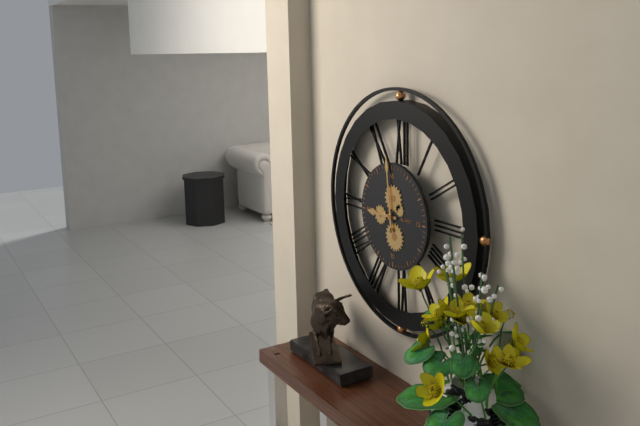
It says 8h59
